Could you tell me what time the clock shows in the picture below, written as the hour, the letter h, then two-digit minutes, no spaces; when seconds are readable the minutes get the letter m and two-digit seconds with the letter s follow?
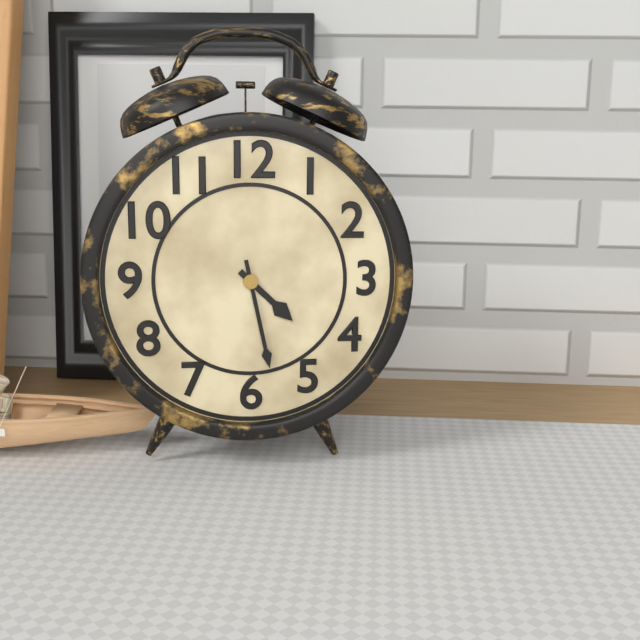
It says 4h28
